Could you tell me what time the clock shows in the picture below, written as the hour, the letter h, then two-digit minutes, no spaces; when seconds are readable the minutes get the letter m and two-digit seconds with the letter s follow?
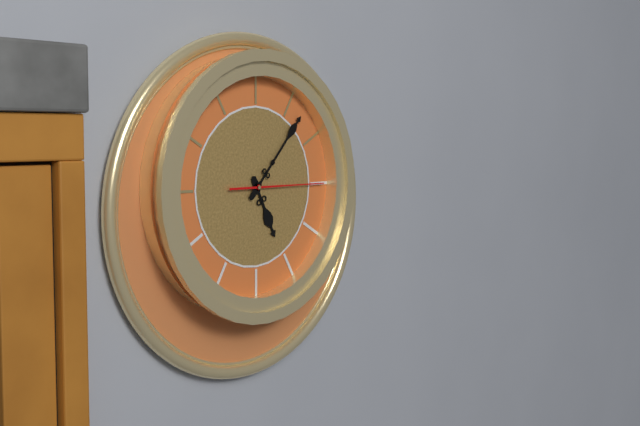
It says 5h07m15s
